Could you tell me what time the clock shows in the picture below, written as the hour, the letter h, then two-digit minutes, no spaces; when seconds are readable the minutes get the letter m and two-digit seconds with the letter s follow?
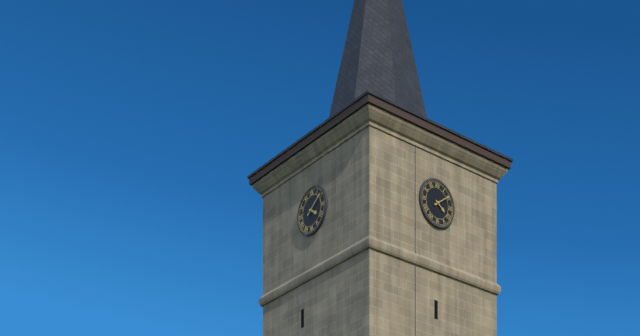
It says 4h09
